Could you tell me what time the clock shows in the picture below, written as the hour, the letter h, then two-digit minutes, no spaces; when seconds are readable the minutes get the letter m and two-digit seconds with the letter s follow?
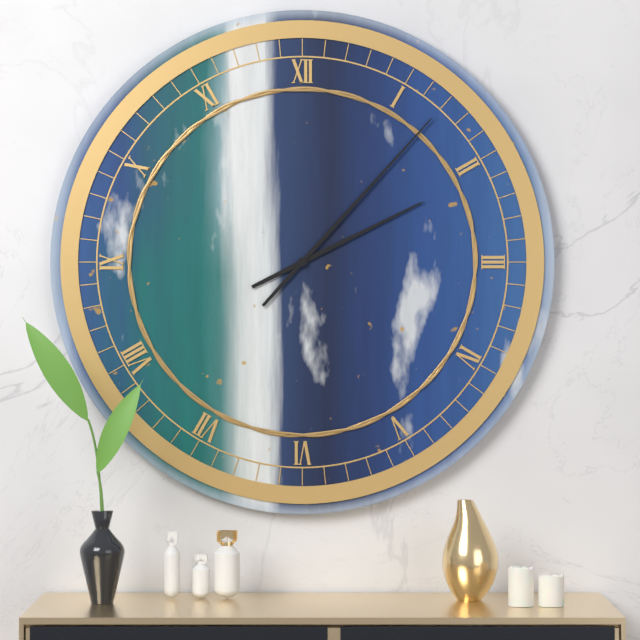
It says 2h07
